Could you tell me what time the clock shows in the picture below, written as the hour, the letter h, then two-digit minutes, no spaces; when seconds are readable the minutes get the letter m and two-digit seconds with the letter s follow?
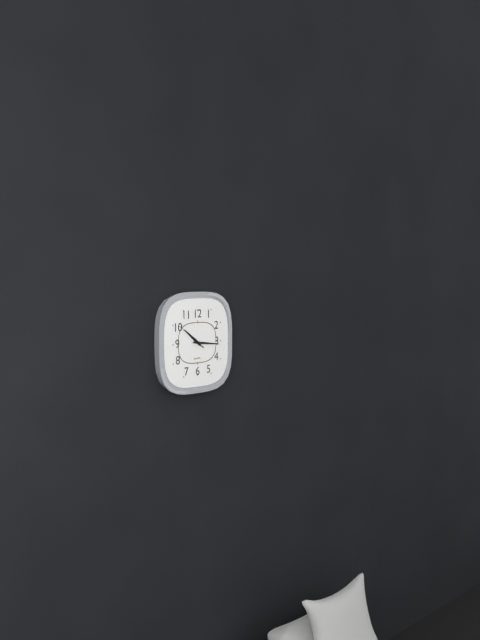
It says 10h16
